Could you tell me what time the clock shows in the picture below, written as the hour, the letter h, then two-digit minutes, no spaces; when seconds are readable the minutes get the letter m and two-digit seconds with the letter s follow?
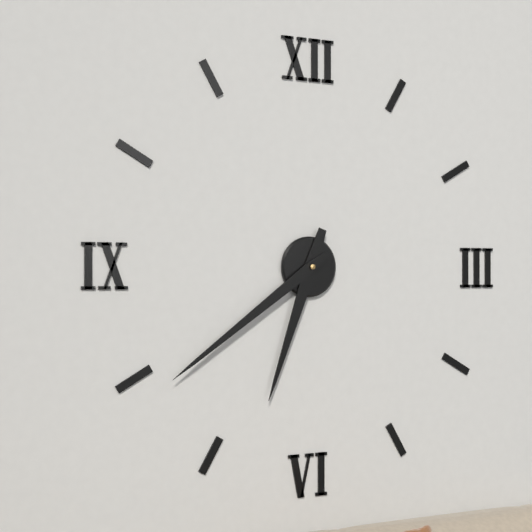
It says 6h39
